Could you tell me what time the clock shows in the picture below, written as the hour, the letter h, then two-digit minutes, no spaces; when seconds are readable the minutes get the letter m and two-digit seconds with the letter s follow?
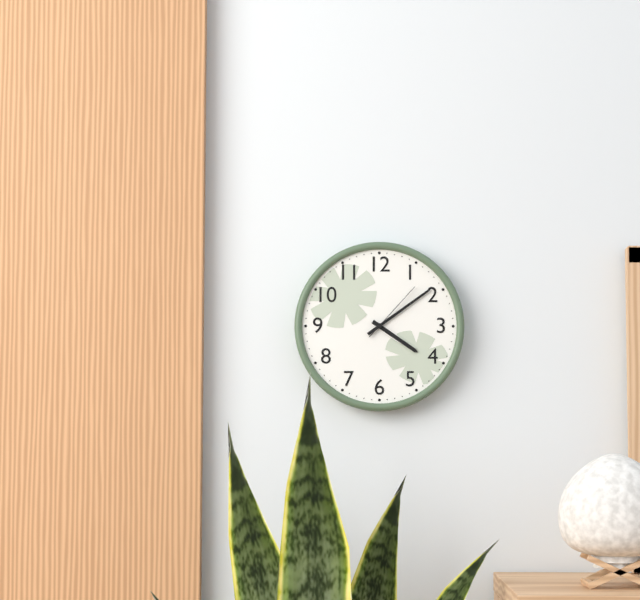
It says 4h09m07s
